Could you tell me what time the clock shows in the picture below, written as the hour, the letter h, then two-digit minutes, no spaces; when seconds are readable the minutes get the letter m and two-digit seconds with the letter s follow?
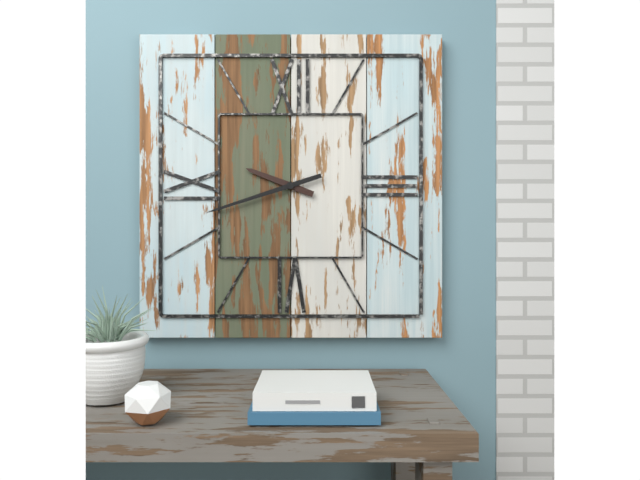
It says 9h42
